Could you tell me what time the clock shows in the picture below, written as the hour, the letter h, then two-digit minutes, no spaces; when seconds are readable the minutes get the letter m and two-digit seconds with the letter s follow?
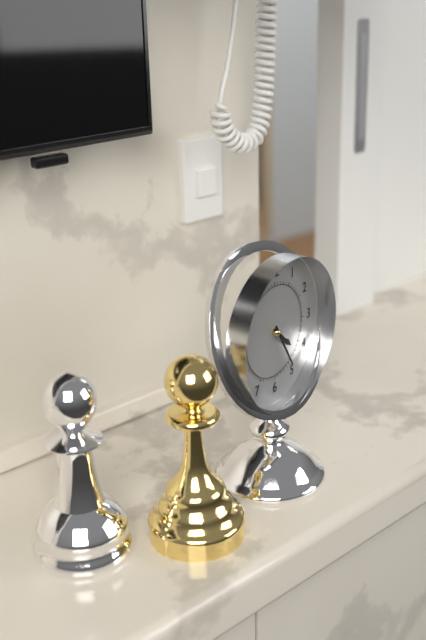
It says 4h25
